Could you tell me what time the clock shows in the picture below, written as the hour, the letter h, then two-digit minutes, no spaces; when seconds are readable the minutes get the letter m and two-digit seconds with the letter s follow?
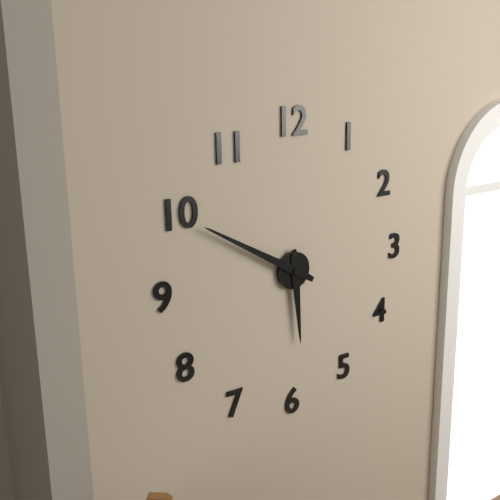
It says 5h50
